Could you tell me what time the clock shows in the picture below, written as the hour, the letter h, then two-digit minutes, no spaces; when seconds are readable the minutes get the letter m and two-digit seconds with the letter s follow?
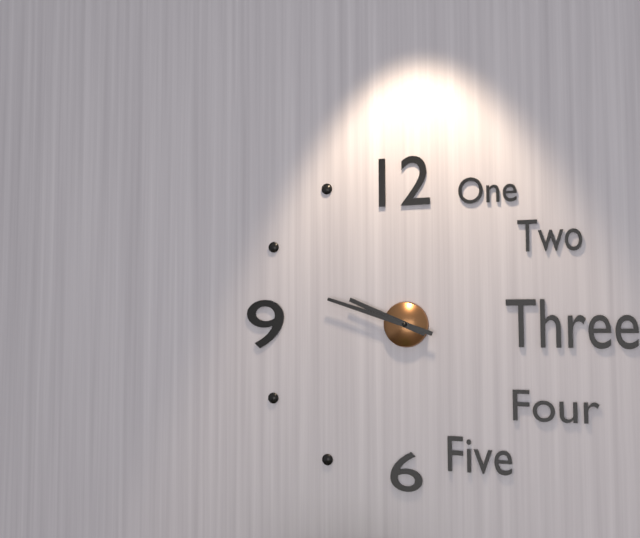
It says 9h48
